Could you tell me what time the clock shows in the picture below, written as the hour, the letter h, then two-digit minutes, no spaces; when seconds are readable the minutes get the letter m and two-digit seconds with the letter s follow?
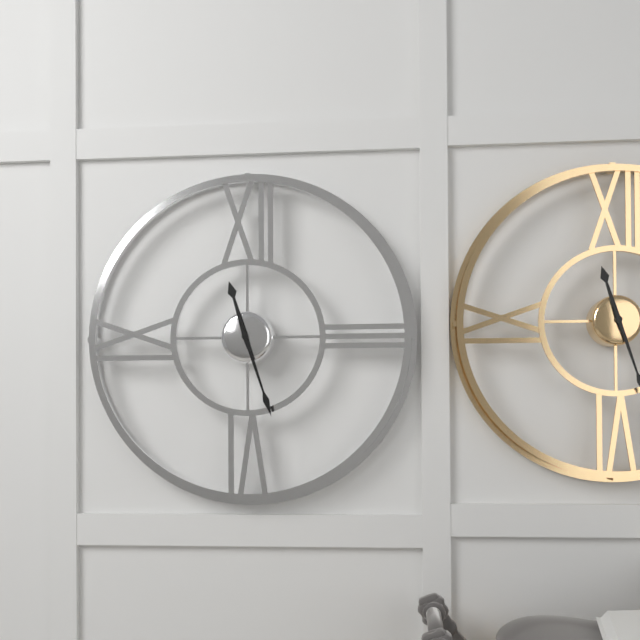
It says 11h27
